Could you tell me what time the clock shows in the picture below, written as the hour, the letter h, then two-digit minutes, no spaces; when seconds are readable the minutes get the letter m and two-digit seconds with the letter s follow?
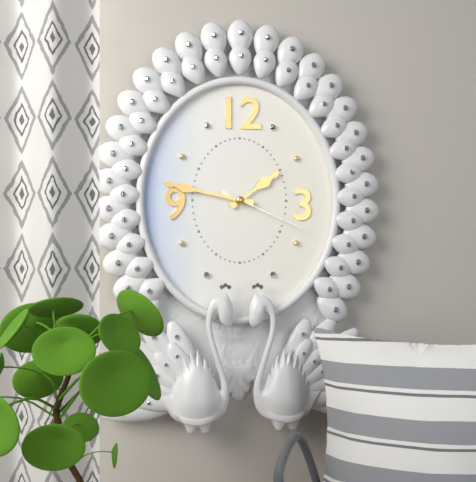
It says 1h47m19s
